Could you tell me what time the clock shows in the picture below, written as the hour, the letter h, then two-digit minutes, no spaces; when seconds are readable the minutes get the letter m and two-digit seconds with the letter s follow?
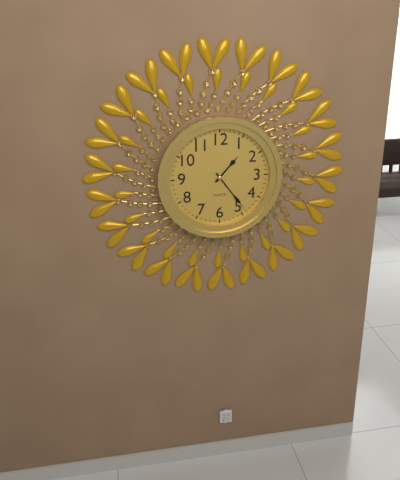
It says 1h24
